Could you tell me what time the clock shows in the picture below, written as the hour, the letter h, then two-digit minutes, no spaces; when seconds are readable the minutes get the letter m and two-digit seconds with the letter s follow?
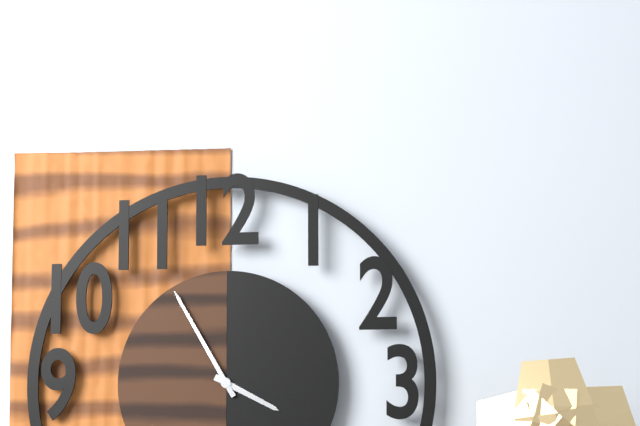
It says 3h55
